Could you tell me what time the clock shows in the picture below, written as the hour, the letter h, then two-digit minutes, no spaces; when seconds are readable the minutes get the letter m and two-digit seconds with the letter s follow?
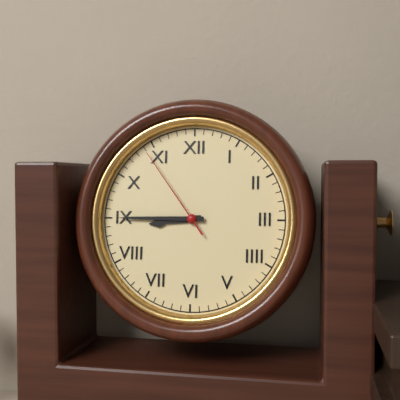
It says 8h45m54s
